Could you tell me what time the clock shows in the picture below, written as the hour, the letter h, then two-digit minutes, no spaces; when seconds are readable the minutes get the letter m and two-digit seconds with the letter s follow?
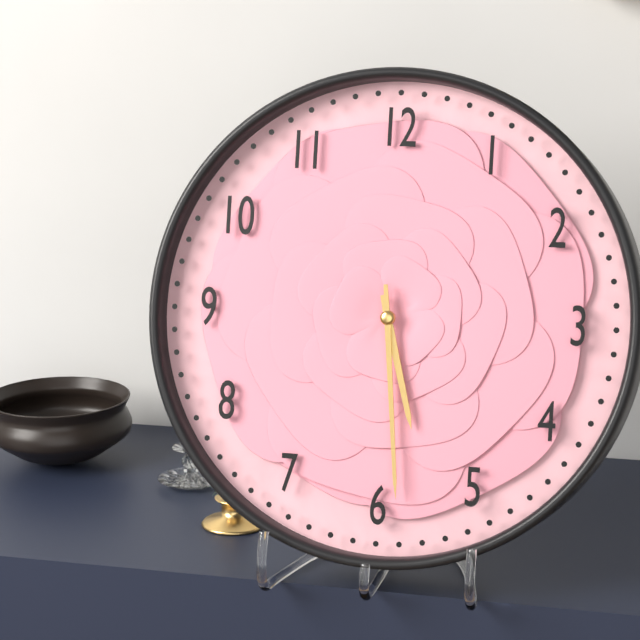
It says 5h29
